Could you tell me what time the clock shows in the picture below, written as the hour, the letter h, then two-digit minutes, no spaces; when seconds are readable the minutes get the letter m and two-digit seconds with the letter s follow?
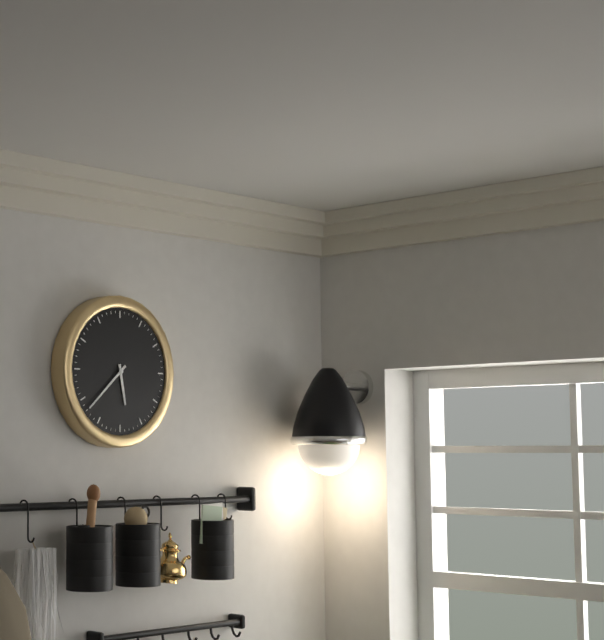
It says 5h38
